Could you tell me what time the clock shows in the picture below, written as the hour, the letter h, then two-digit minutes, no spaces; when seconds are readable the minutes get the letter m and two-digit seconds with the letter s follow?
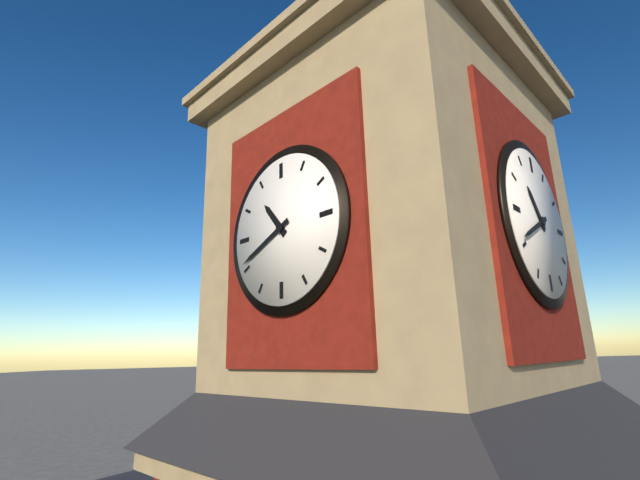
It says 10h41
